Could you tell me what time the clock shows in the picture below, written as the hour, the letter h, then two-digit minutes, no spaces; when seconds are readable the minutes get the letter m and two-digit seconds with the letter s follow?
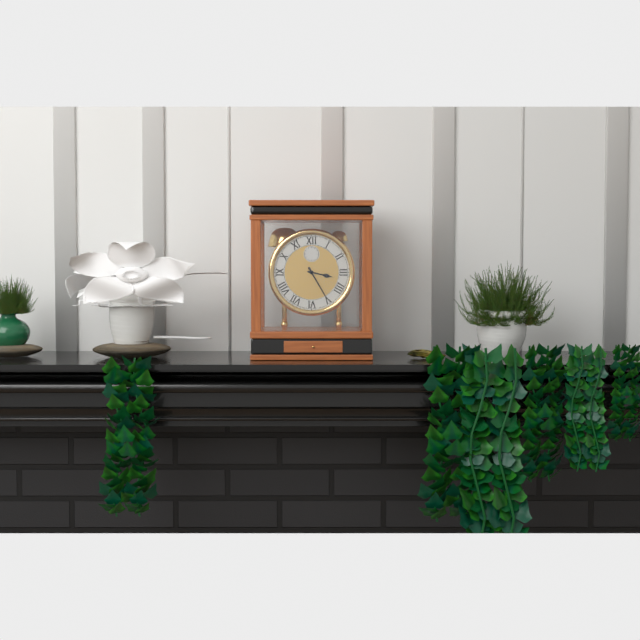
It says 3h25
